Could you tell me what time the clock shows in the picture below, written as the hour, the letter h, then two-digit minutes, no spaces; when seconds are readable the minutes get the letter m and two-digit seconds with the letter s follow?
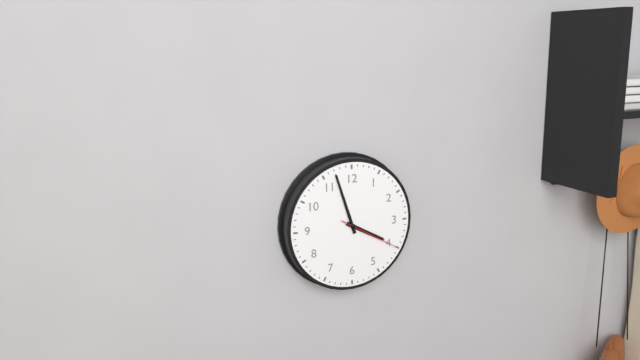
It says 3h57m20s
